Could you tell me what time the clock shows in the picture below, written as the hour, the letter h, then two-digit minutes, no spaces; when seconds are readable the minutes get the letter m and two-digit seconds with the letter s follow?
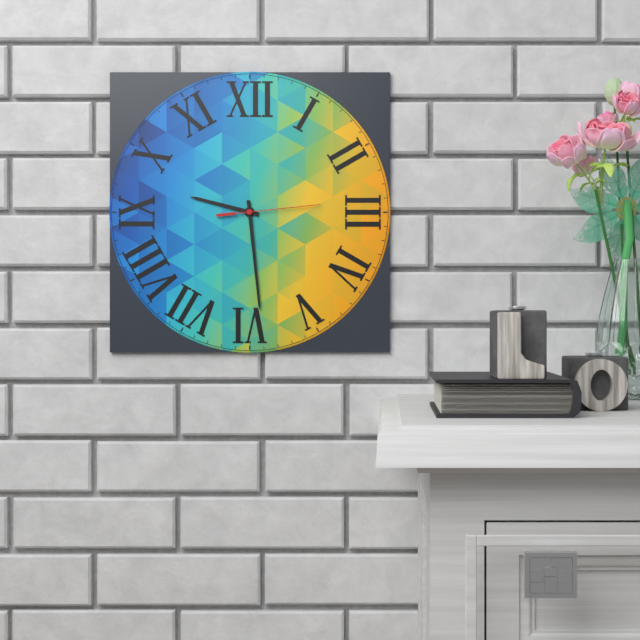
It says 9h29m14s
